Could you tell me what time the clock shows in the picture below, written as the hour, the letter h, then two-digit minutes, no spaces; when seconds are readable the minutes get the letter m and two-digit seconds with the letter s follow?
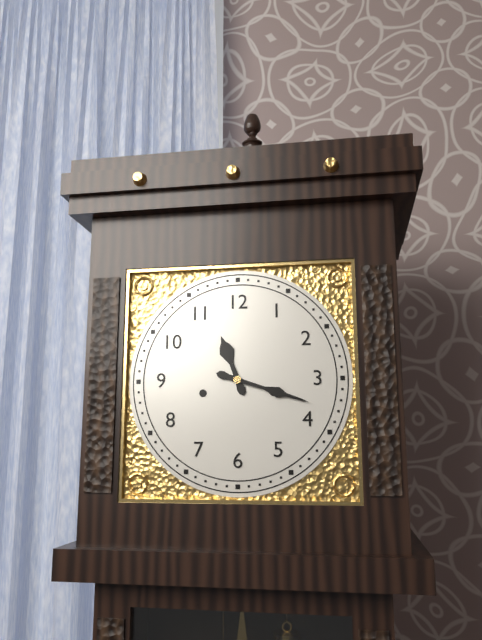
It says 11h18
